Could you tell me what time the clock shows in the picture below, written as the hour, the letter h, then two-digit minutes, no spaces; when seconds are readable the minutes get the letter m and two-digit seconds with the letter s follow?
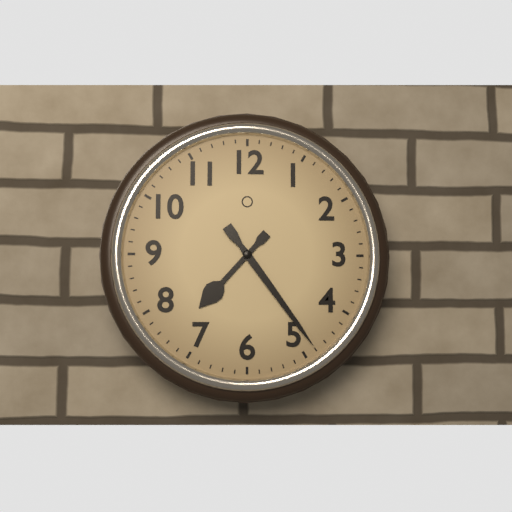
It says 7h24
